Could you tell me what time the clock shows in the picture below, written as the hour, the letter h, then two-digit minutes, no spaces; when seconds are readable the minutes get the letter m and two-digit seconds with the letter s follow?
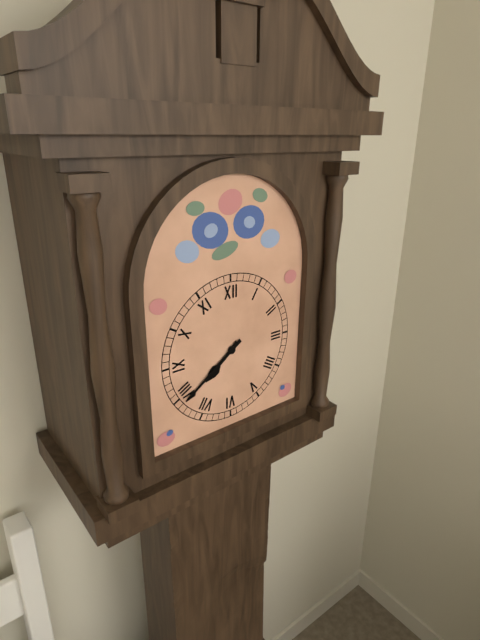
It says 7h39
